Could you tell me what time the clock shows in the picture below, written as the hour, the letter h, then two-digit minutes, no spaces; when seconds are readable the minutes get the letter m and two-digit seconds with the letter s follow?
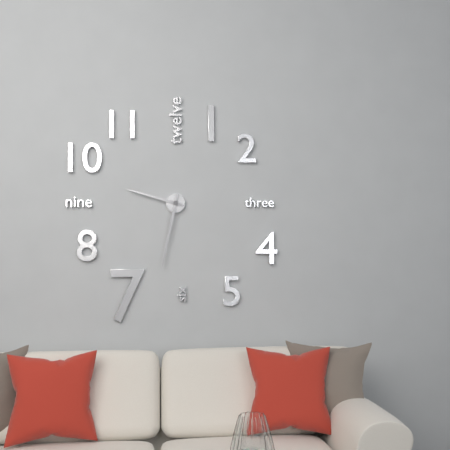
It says 9h32
